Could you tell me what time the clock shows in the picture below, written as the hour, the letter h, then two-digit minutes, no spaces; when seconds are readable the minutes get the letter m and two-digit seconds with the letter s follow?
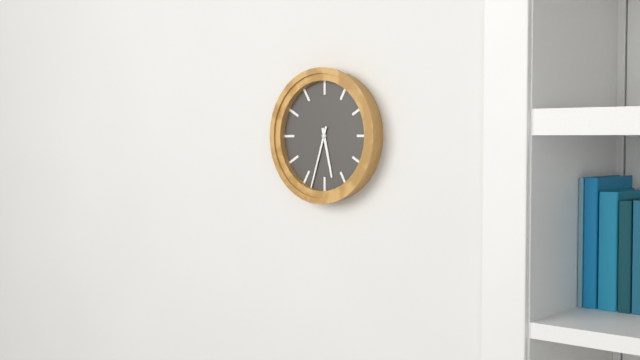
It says 5h33
